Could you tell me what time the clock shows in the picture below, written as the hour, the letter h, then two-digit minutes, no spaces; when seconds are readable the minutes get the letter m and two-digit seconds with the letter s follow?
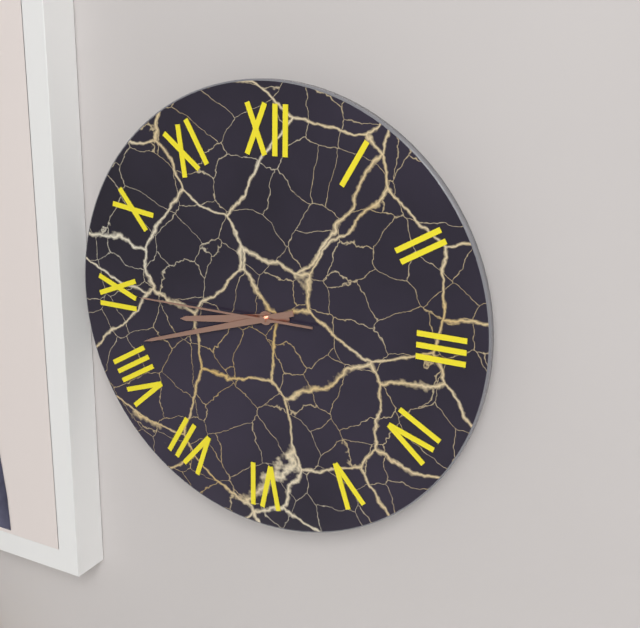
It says 8h42m45s
